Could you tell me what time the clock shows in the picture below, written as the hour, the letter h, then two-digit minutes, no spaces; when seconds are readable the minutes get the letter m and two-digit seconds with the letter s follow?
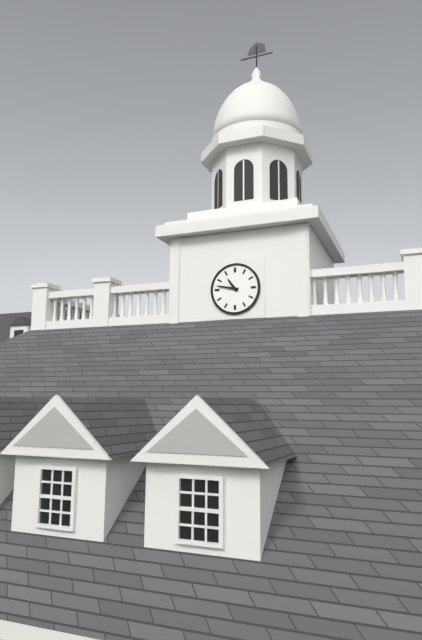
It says 10h47
